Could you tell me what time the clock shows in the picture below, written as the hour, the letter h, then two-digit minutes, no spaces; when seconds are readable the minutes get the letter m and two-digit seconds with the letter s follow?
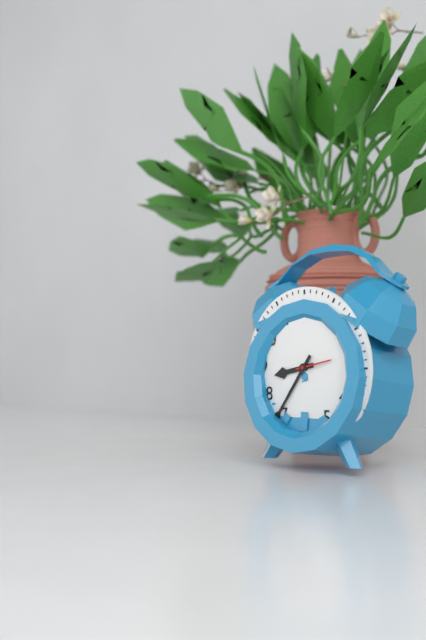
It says 8h36
